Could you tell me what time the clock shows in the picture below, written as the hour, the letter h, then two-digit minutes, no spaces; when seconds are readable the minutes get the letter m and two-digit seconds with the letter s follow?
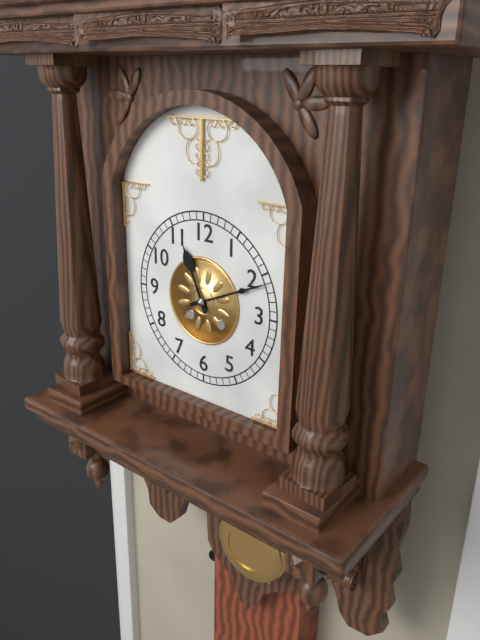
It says 11h11
